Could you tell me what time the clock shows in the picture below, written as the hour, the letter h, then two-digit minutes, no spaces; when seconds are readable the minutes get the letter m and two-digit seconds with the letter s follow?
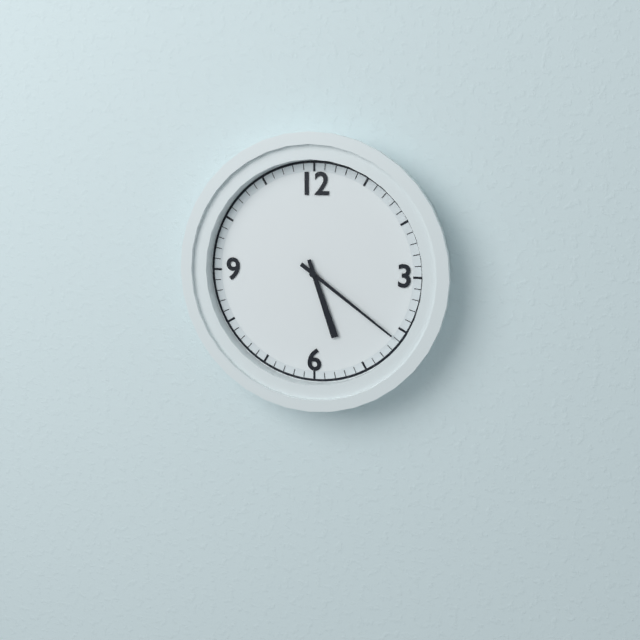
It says 5h21
